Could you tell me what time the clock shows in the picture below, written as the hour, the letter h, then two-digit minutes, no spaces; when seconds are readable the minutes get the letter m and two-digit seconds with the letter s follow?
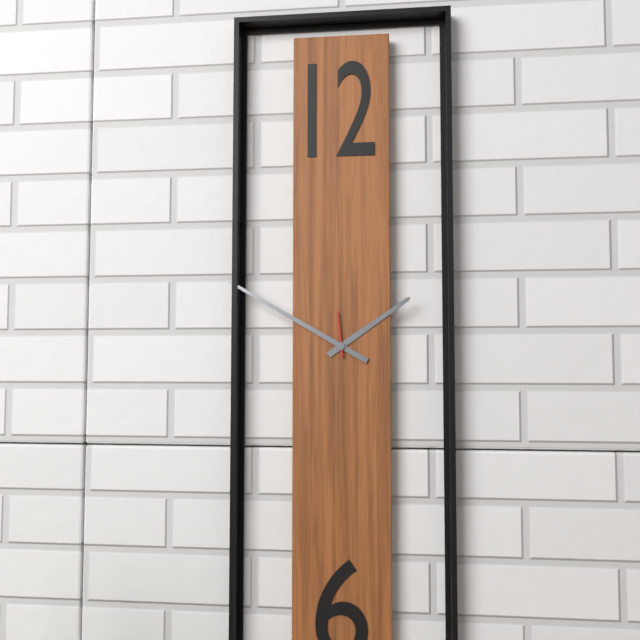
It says 1h50
